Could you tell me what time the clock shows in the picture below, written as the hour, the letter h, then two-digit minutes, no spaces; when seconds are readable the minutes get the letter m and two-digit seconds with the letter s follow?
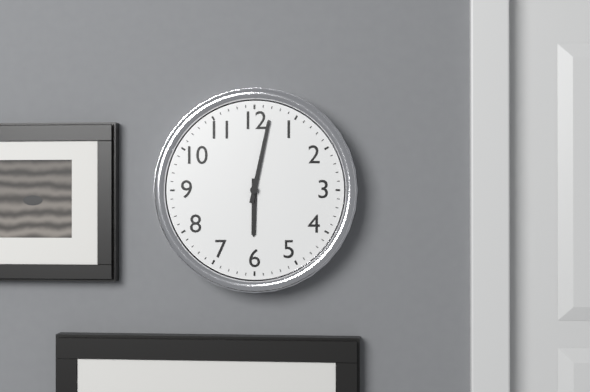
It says 6h02
